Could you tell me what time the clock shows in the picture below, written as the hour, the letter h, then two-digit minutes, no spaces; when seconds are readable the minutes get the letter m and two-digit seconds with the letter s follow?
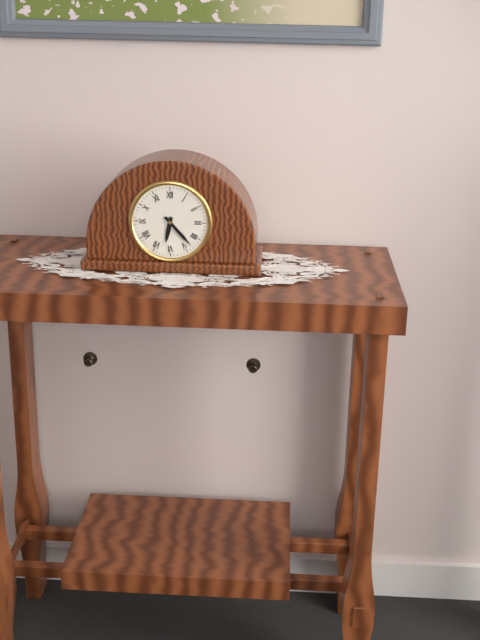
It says 6h23
